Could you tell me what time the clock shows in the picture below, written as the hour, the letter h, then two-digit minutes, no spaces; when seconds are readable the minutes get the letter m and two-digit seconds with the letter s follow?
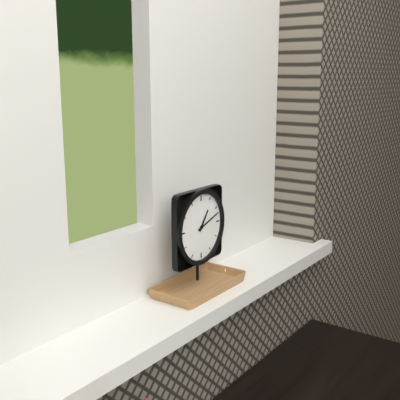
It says 1h12
